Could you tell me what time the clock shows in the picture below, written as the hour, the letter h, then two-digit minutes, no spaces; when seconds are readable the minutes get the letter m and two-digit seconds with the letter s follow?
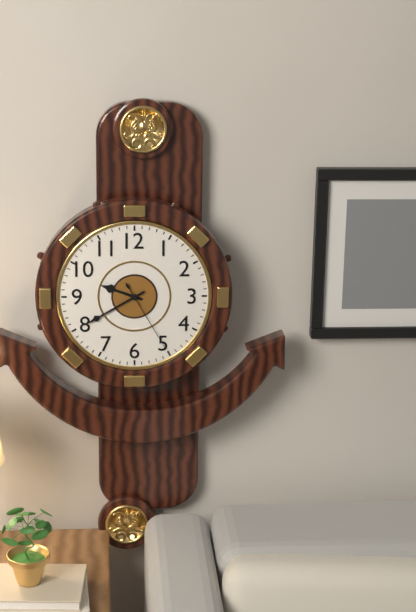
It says 9h40m25s
